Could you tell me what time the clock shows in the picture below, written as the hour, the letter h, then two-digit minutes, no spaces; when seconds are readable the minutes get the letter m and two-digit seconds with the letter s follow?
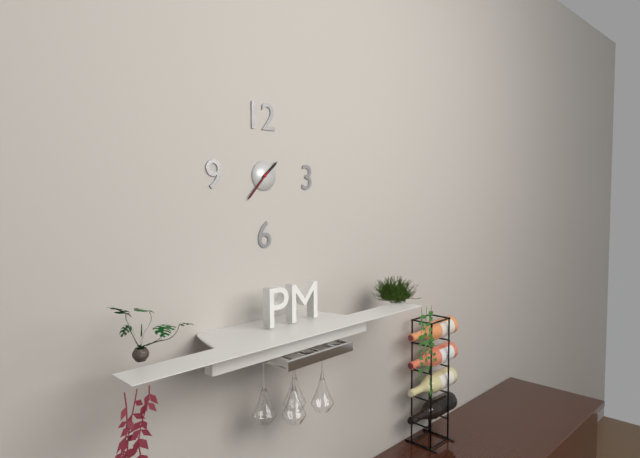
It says 1h37
